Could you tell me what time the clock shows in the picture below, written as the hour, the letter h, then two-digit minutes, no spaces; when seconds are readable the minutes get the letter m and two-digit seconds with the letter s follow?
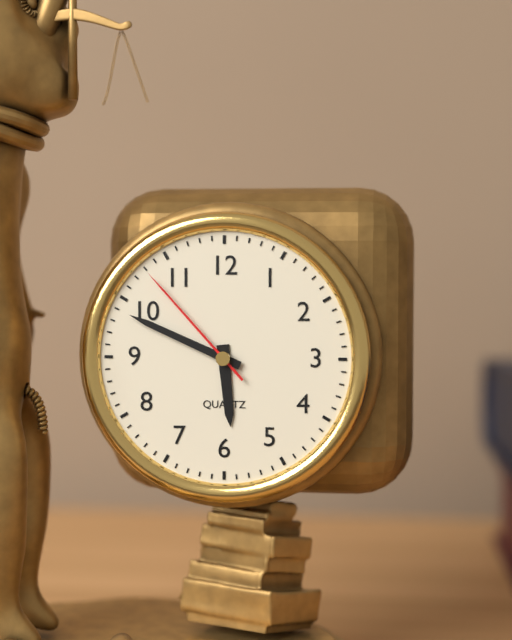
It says 5h49m53s
